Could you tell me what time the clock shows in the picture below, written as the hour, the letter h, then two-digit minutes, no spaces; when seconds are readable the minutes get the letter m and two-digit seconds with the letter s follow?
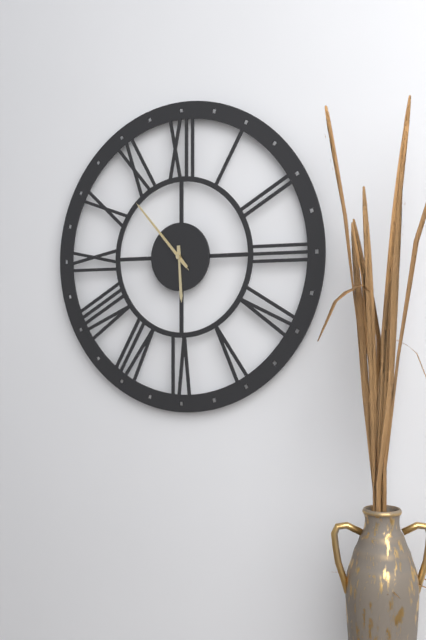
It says 5h53m53s
